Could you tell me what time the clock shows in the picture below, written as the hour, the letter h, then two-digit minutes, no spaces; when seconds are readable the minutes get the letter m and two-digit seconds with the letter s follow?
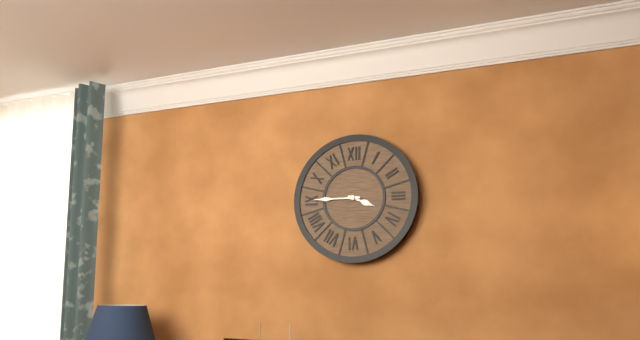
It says 3h45
